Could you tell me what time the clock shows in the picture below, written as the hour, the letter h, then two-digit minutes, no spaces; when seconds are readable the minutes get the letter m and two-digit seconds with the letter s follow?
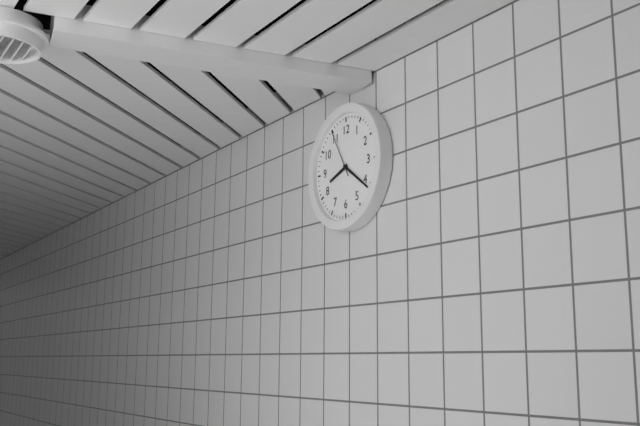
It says 8h21
